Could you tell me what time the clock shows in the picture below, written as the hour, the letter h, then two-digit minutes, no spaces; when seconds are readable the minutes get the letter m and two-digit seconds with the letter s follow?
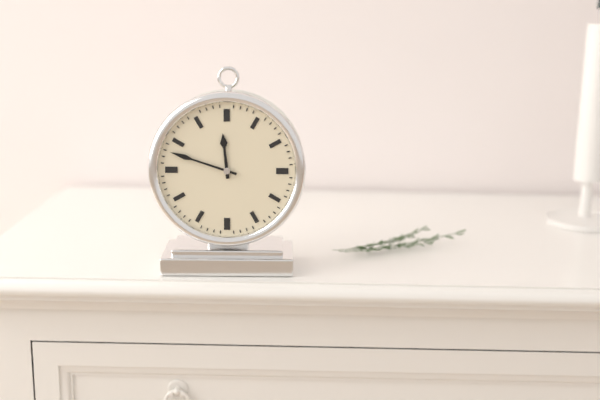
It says 11h48
